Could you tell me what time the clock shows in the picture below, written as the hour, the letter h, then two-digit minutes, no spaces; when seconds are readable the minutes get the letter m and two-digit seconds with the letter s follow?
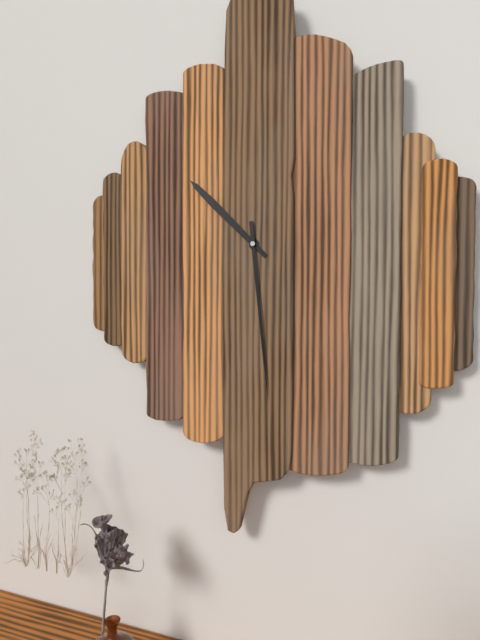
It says 10h29
